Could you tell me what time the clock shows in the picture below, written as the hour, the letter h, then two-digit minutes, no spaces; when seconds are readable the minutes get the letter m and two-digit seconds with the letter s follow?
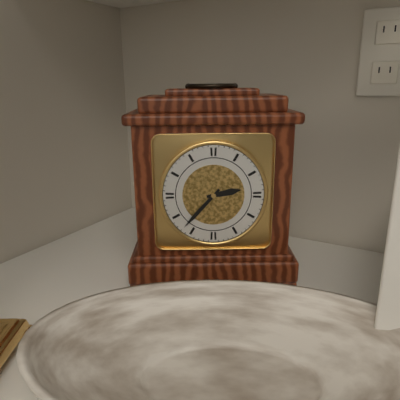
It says 2h37
